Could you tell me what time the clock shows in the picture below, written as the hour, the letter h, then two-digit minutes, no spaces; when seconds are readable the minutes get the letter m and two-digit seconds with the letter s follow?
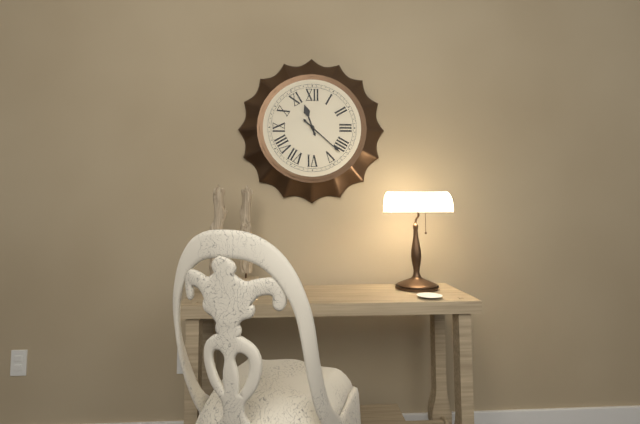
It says 11h22
